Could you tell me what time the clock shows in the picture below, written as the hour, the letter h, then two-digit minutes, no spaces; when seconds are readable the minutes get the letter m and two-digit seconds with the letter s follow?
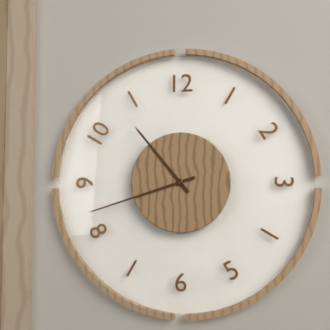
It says 10h42
